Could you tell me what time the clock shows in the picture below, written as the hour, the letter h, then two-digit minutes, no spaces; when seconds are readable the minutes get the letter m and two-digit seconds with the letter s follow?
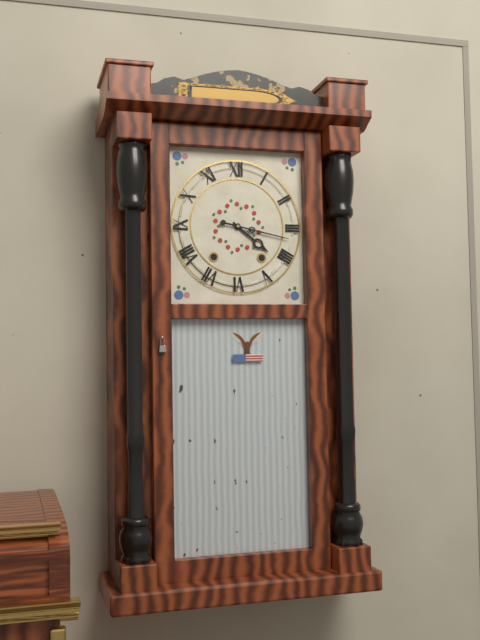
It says 4h17
